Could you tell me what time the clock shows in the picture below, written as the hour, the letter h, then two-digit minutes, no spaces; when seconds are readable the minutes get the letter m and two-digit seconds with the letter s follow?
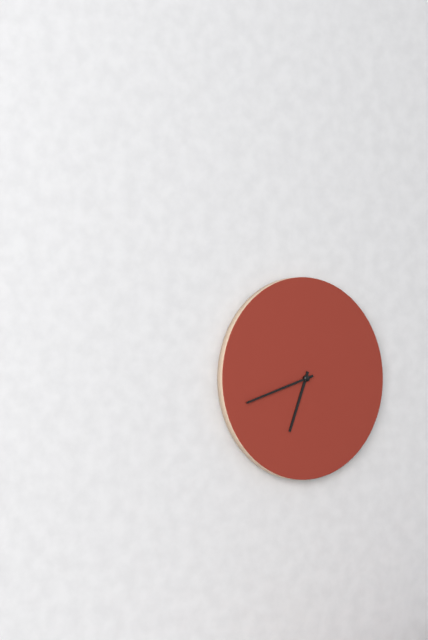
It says 6h42
